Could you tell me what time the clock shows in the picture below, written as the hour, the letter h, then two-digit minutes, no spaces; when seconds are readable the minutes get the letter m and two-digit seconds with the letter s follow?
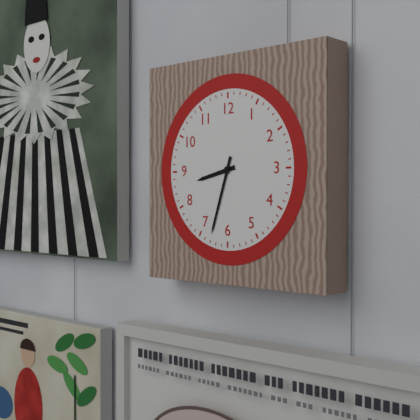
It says 8h33
